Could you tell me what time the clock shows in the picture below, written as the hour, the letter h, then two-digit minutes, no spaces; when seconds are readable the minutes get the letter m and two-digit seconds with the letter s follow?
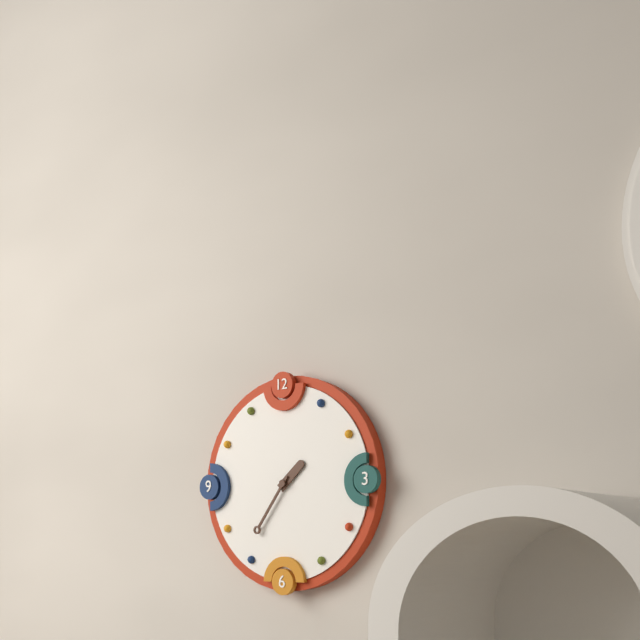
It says 1h36
